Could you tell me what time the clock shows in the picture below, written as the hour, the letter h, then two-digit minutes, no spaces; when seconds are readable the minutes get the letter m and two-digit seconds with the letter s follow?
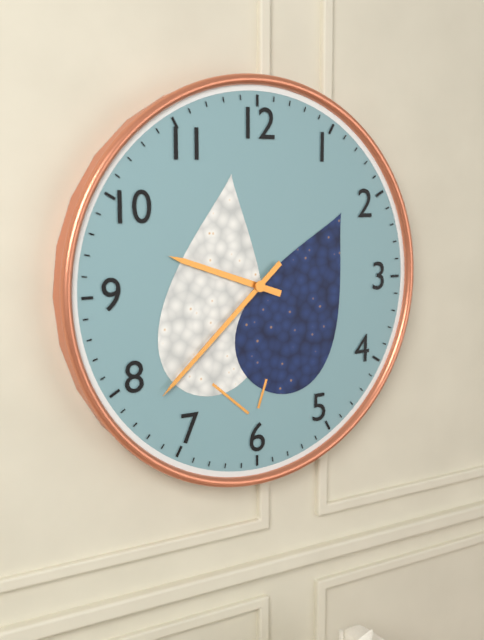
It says 9h38
